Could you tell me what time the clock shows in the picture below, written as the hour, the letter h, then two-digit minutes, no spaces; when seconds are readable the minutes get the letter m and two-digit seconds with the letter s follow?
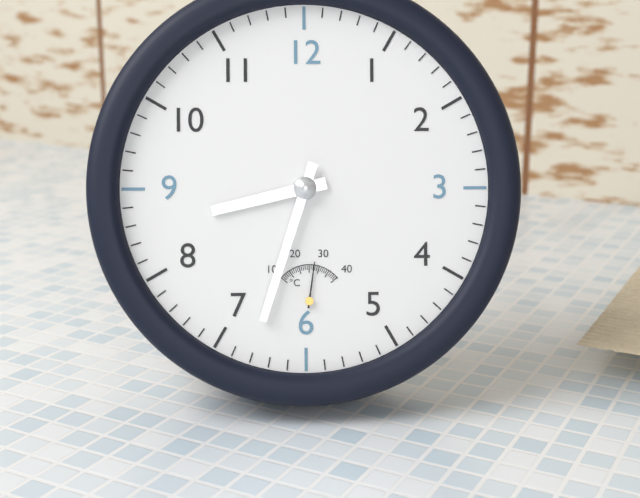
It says 8h33
